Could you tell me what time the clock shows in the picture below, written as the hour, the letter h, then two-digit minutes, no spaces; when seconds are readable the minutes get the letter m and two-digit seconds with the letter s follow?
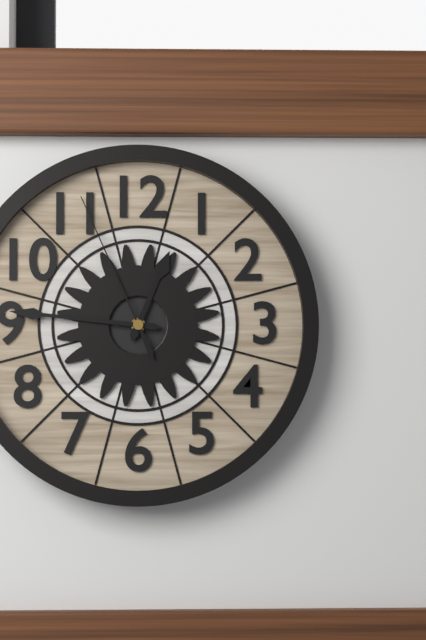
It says 12h46m56s
